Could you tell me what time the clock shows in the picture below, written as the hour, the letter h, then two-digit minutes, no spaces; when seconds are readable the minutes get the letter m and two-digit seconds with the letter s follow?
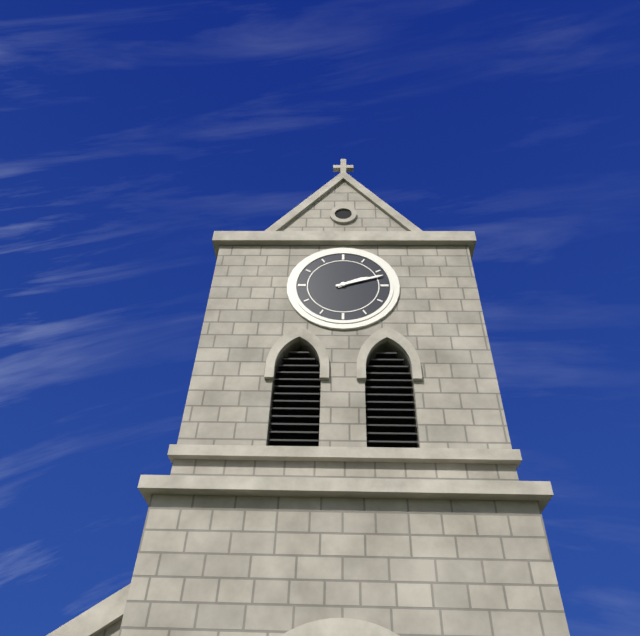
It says 2h12
